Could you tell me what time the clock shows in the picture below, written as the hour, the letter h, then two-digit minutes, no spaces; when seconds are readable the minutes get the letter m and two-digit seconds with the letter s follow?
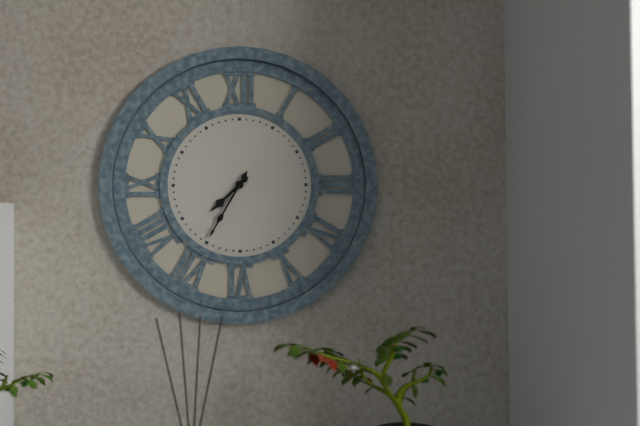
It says 7h35
